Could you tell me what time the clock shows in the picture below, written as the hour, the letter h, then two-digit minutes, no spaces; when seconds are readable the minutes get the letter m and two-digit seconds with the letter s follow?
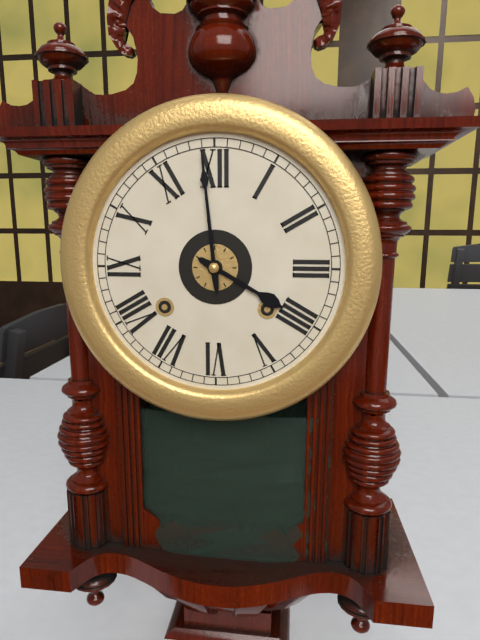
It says 3h59
